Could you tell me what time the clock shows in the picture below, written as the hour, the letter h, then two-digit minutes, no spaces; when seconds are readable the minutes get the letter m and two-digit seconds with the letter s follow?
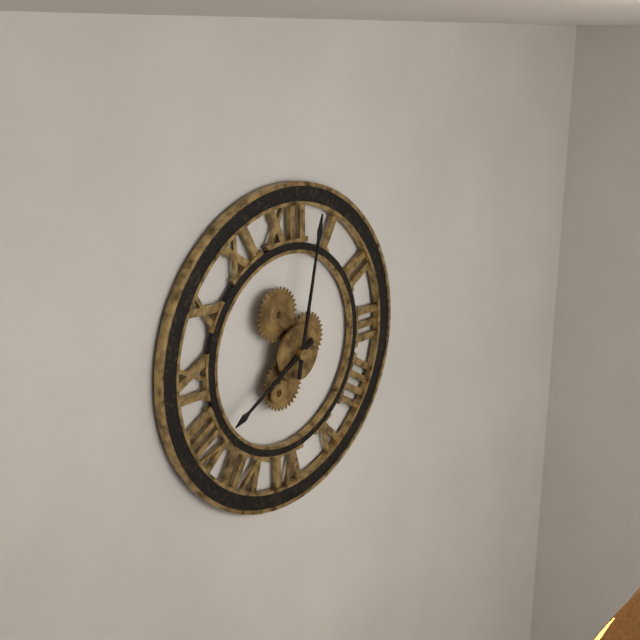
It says 8h02
